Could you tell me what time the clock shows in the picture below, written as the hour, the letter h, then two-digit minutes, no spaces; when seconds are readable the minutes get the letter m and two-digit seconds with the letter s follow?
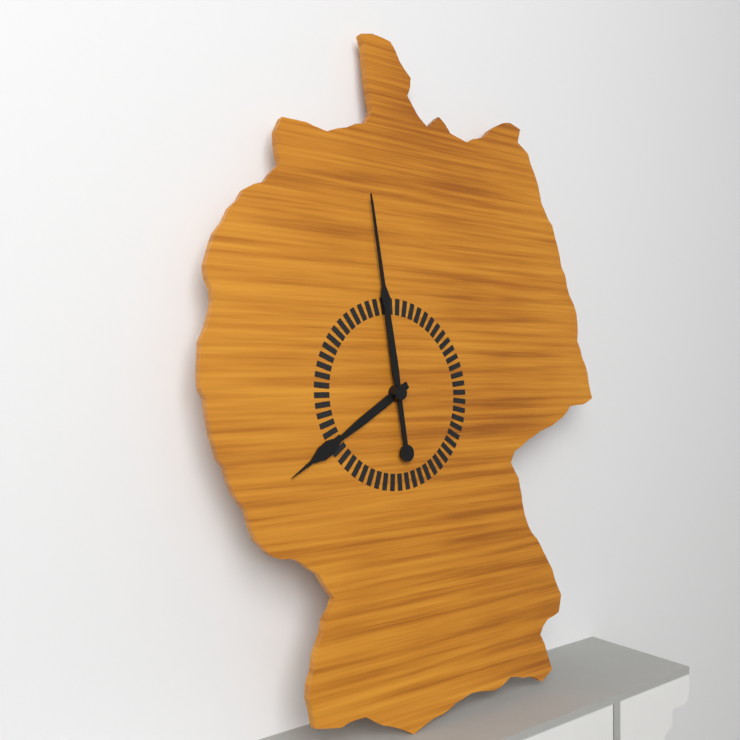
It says 7h59
